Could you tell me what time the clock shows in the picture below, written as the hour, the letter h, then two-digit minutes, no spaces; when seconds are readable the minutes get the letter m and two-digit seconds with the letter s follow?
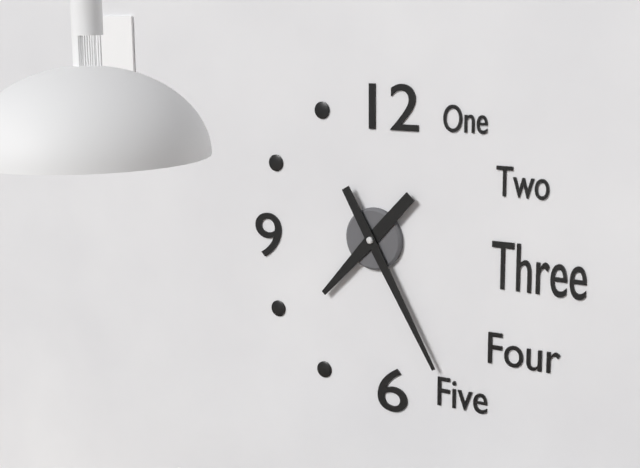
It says 7h25
